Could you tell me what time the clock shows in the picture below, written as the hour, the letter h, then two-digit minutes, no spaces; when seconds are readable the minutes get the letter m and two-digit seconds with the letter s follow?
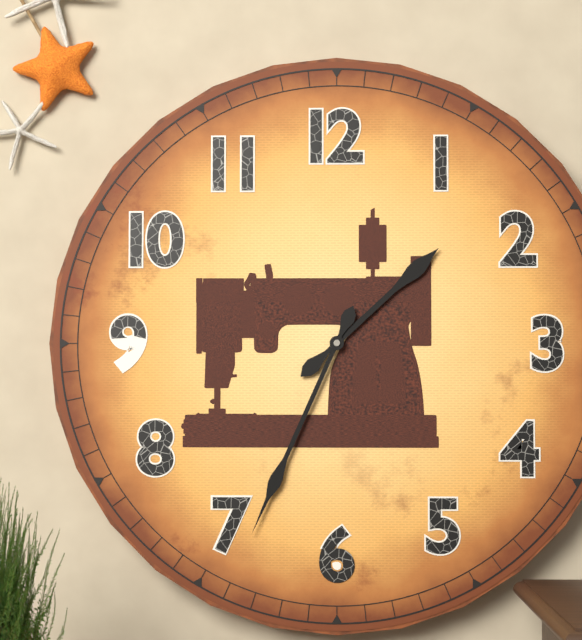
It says 1h34
